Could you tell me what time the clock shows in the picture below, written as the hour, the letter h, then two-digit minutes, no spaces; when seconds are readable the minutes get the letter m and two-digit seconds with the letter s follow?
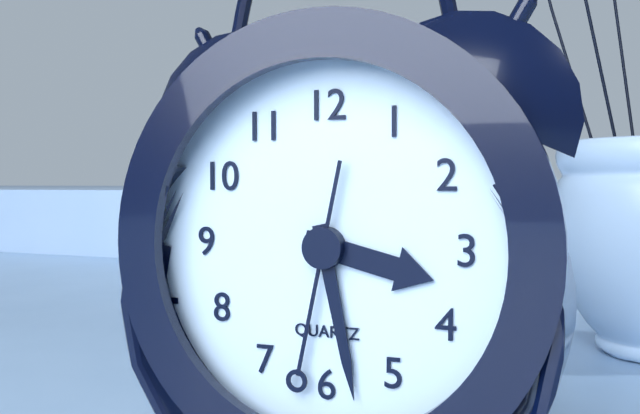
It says 3h28m32s
